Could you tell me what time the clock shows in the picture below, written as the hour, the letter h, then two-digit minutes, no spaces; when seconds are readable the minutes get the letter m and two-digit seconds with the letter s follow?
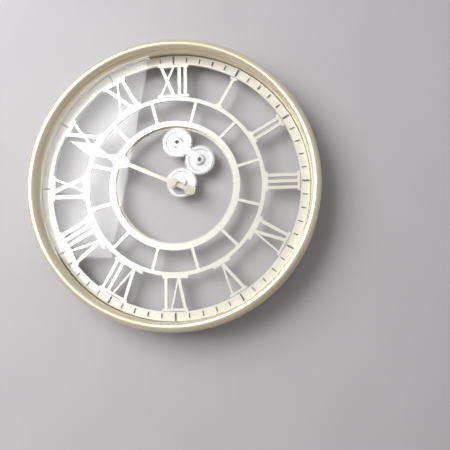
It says 9h49
